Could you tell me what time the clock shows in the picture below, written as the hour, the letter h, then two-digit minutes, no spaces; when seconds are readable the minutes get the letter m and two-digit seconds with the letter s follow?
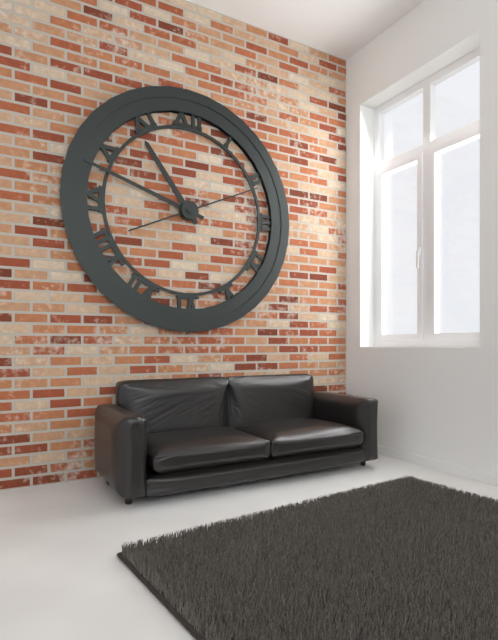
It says 10h48m11s
